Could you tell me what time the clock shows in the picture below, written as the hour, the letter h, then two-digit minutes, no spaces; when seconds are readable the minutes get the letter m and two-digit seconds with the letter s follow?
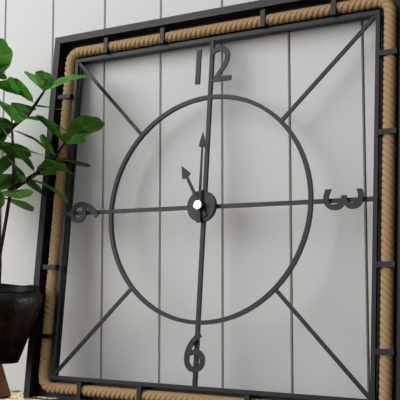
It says 11h00
